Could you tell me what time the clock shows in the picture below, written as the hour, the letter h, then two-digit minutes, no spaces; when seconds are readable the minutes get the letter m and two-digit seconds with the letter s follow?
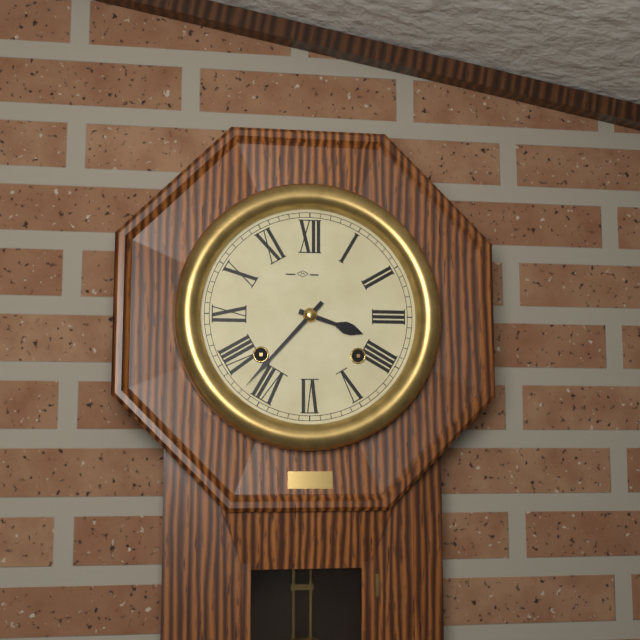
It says 3h37
